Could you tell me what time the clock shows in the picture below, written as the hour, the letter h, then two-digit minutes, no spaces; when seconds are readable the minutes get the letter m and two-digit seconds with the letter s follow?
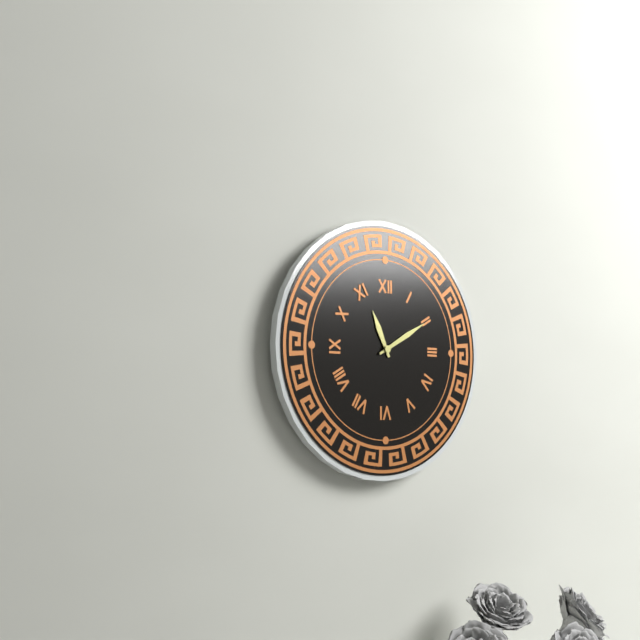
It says 11h10
